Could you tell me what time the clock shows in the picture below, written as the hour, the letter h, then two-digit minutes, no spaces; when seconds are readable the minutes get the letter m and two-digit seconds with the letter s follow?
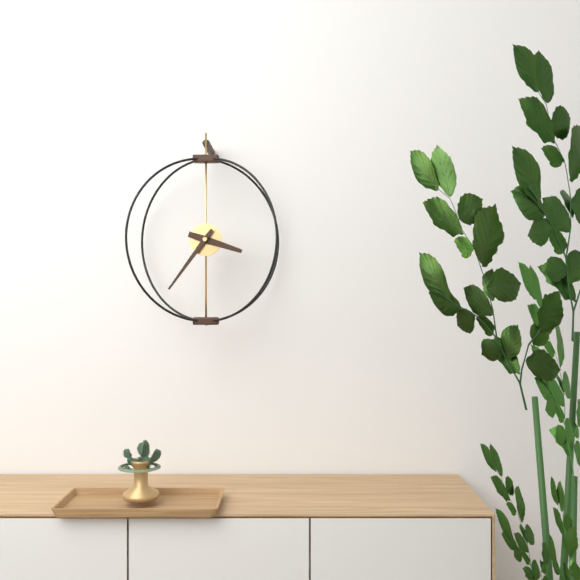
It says 3h36
